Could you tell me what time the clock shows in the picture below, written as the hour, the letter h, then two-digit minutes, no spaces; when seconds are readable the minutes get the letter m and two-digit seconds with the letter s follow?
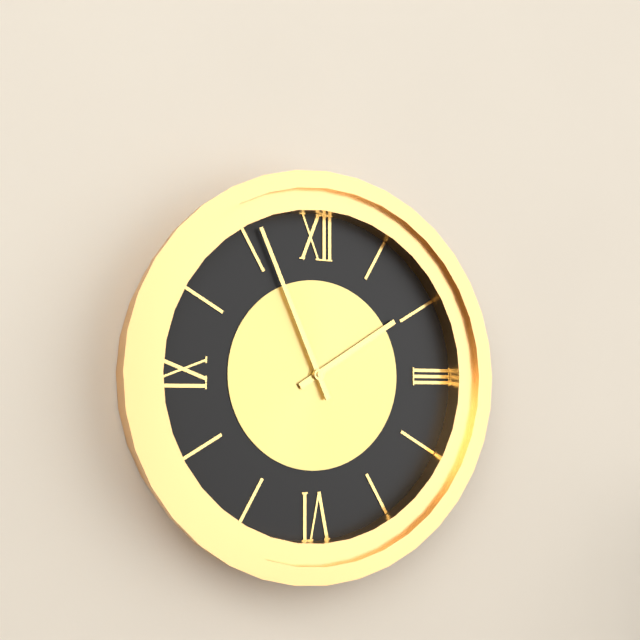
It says 1h56
